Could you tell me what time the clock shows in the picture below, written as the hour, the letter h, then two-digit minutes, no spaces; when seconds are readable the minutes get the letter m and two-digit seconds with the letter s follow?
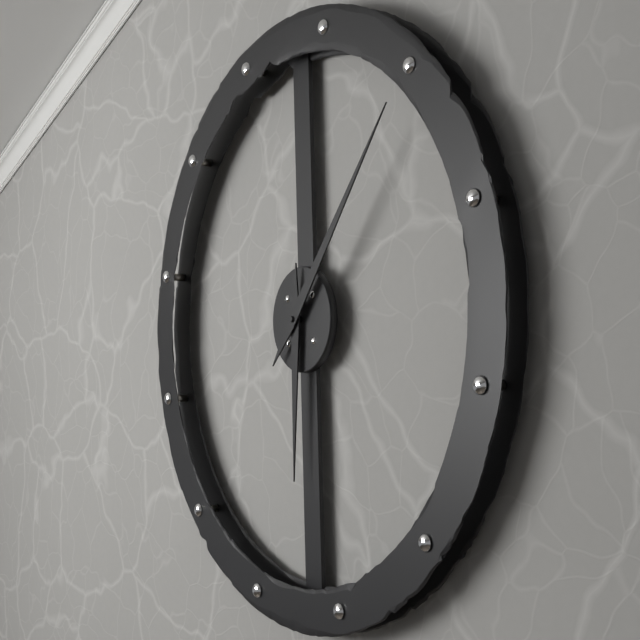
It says 6h07
